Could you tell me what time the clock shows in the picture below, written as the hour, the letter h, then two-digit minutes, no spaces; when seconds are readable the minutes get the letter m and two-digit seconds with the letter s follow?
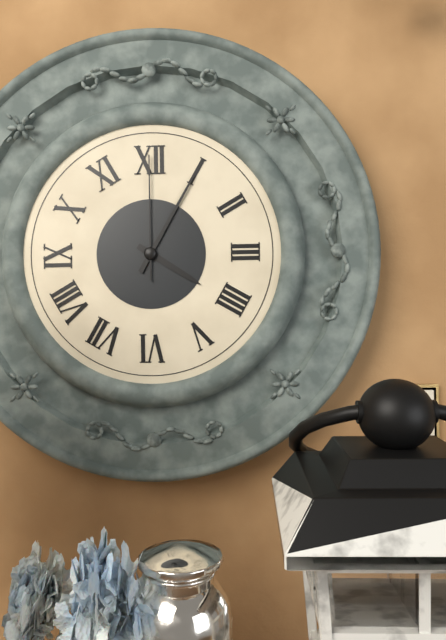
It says 4h05m00s
